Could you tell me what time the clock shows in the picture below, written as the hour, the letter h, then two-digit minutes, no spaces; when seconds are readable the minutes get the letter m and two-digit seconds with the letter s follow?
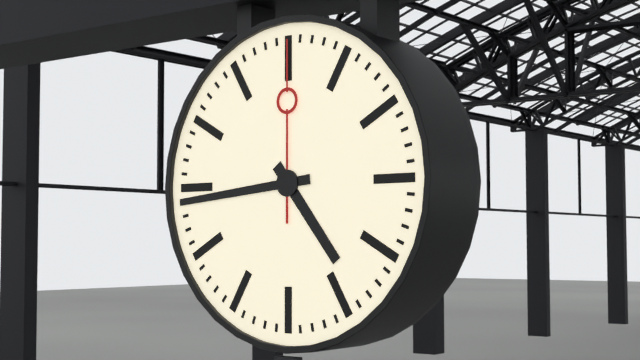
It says 4h44m00s
